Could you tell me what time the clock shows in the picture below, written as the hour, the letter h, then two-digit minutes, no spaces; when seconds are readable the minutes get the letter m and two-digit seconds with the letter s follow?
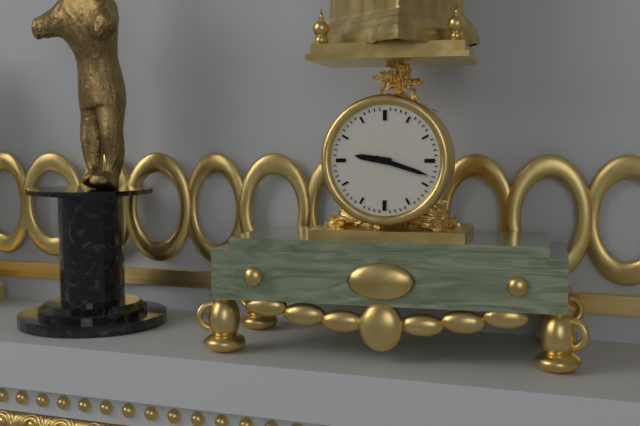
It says 9h18
